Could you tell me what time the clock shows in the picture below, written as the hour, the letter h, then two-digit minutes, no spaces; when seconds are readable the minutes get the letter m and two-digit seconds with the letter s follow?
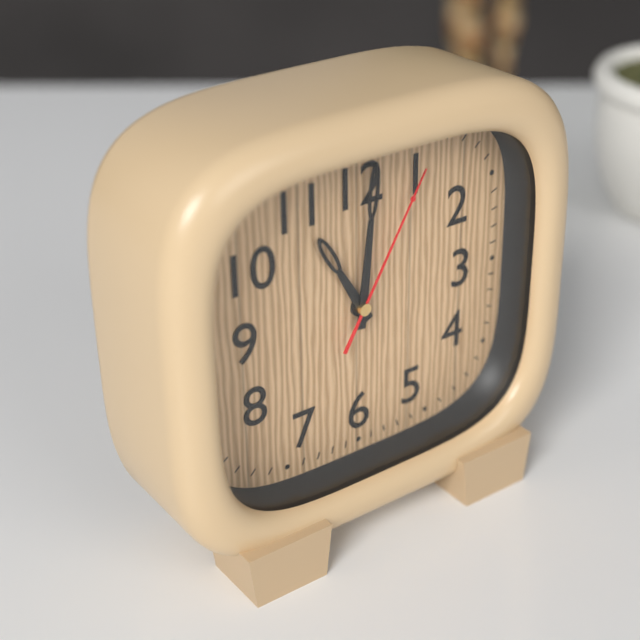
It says 11h01m05s
